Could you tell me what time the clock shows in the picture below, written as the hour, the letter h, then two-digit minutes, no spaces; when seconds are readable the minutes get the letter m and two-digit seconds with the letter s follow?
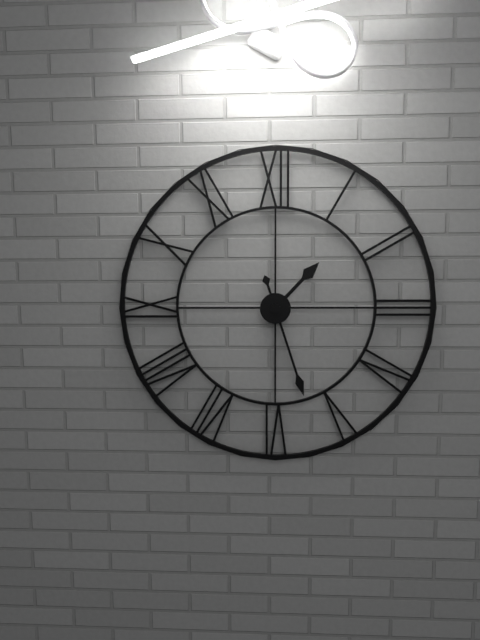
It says 1h27
